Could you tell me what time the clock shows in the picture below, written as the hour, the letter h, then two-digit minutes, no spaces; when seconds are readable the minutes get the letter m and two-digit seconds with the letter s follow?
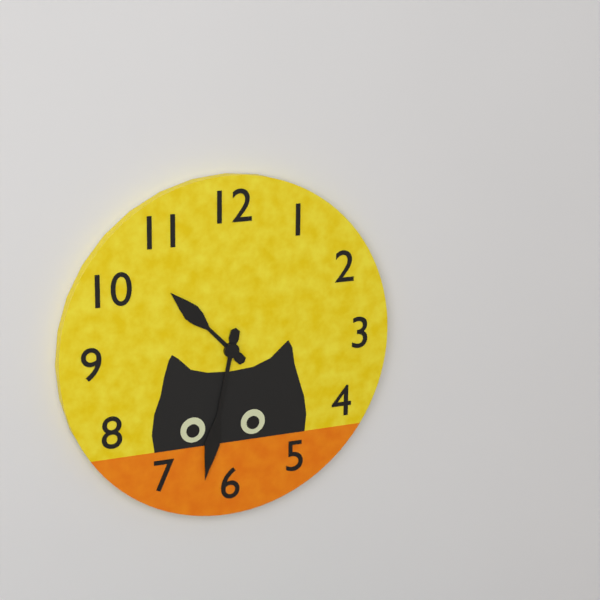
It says 10h32
